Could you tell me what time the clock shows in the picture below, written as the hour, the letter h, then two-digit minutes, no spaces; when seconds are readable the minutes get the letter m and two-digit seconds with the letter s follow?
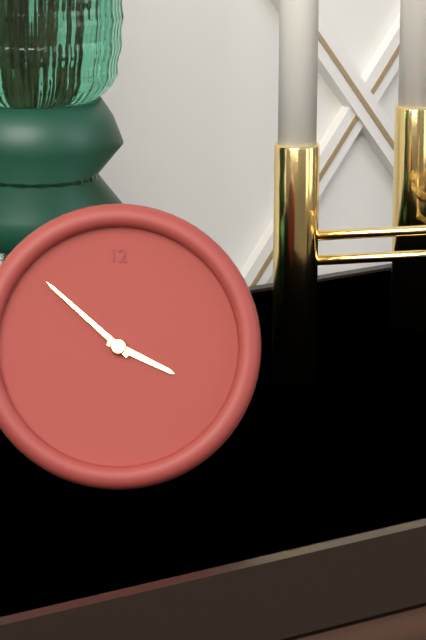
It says 3h52
